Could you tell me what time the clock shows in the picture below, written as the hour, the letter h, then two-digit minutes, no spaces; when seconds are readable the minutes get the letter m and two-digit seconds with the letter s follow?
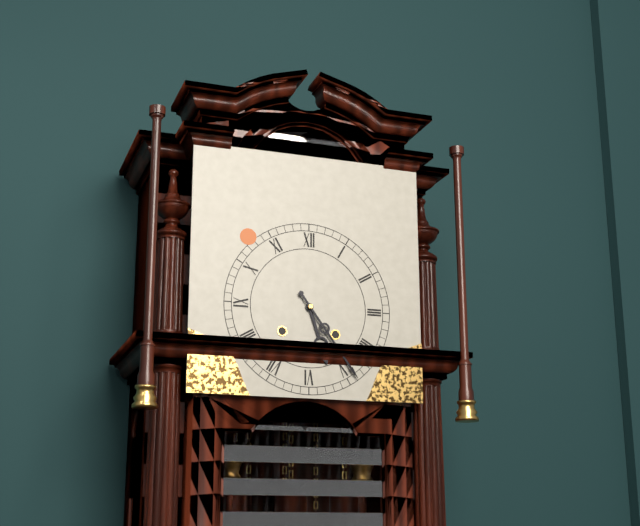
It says 5h24
